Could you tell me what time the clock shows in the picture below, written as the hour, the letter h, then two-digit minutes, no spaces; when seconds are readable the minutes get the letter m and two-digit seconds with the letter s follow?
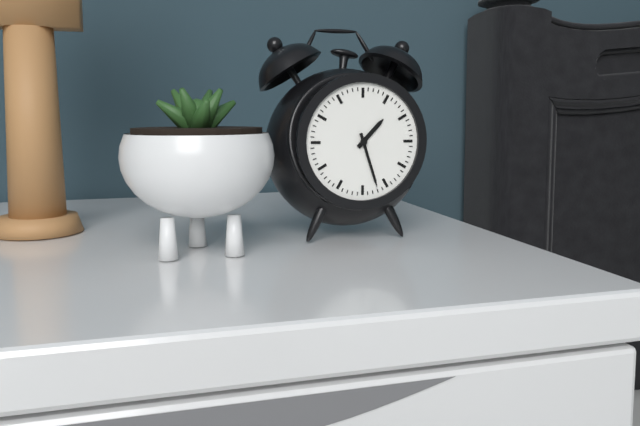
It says 1h27
